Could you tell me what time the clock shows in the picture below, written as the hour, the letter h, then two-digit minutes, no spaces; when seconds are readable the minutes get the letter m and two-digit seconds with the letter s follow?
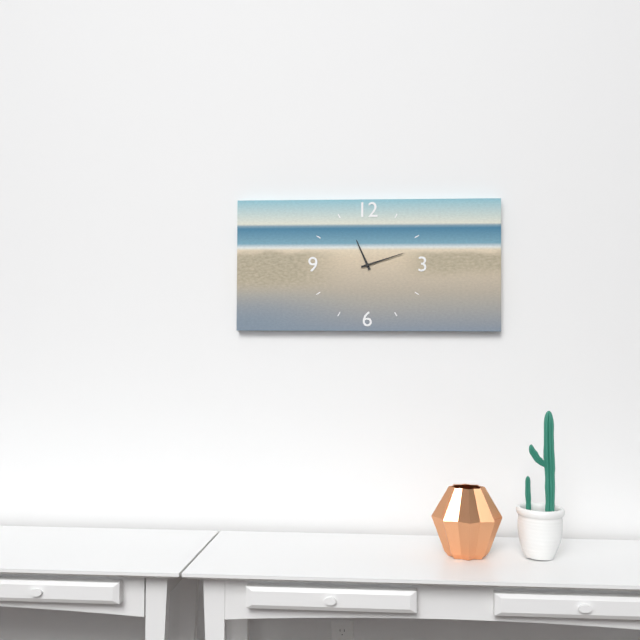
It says 11h12
